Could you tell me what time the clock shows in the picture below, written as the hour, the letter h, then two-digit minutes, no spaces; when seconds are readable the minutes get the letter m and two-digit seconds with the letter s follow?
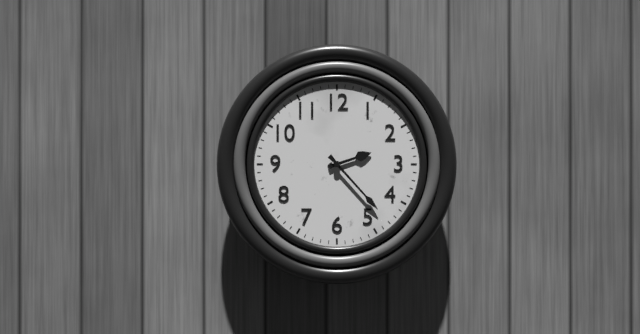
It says 2h23
